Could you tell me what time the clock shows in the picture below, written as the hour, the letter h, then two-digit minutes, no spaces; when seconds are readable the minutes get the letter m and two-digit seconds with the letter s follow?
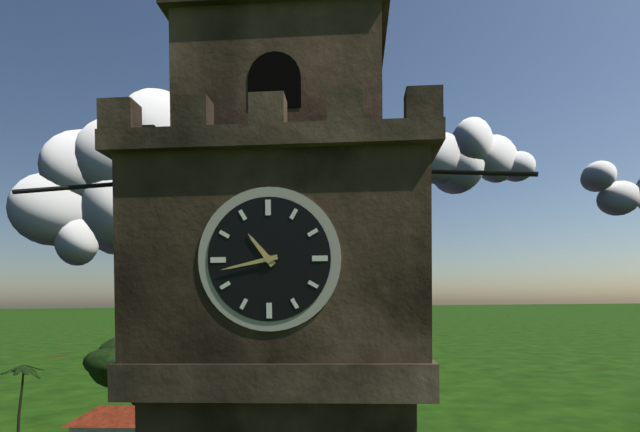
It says 10h43
